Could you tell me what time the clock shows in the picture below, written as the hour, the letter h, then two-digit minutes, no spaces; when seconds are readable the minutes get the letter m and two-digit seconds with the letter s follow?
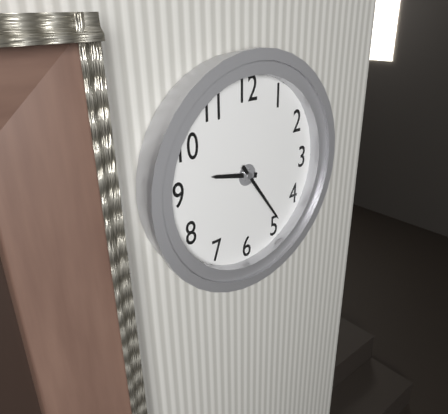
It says 9h24
